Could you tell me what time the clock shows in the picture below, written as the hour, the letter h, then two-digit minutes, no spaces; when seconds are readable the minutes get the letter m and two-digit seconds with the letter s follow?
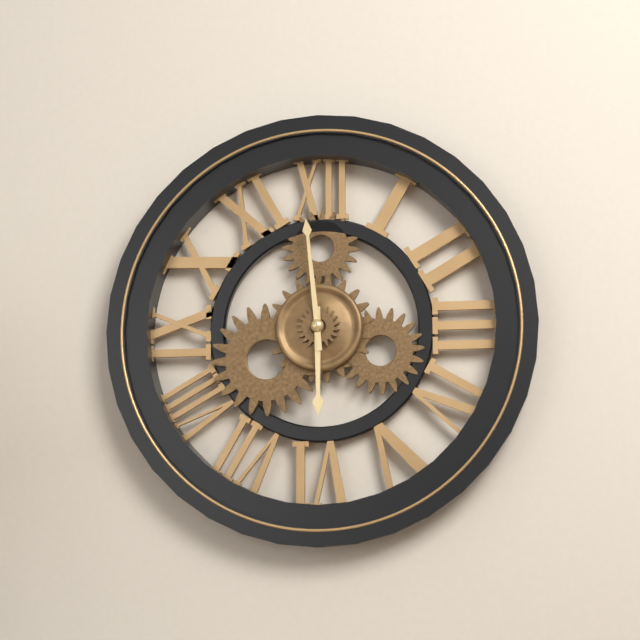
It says 5h59
